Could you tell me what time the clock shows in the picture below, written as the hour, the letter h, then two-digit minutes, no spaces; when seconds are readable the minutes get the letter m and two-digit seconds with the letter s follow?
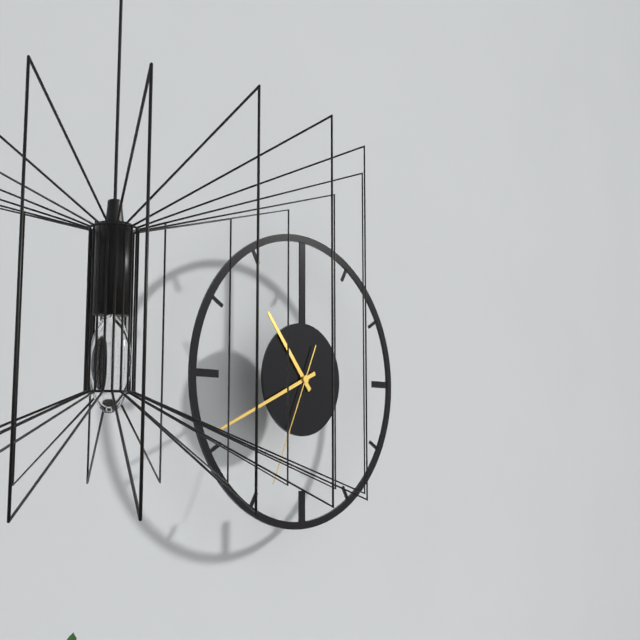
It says 10h41m34s
